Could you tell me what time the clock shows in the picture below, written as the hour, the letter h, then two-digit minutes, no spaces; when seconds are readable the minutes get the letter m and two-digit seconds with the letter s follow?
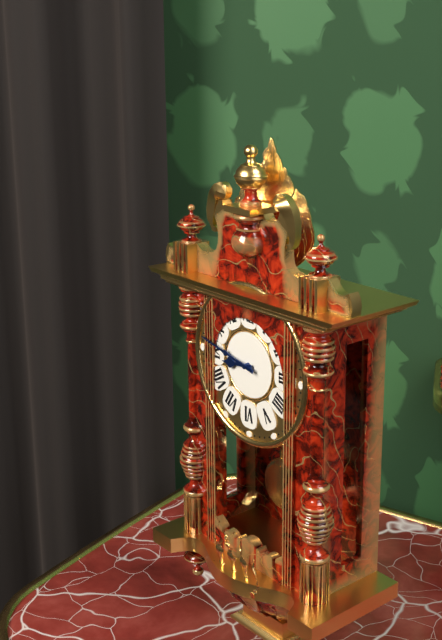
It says 8h47
